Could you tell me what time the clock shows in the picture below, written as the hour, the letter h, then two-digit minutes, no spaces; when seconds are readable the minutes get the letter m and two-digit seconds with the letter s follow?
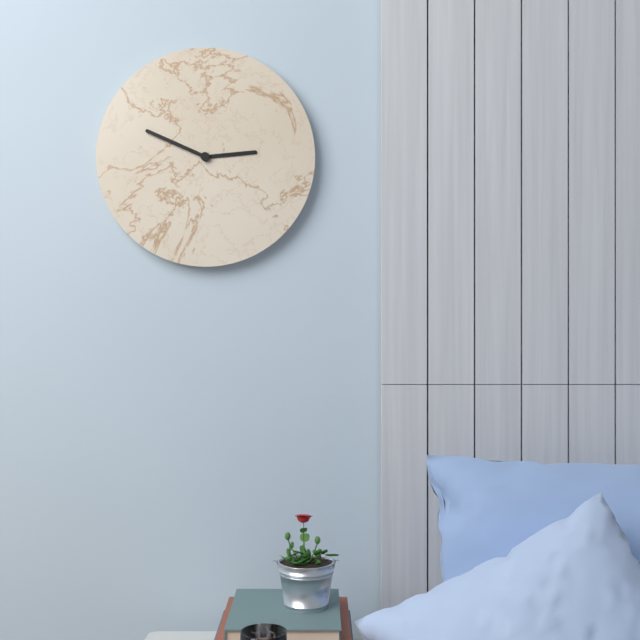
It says 2h49
